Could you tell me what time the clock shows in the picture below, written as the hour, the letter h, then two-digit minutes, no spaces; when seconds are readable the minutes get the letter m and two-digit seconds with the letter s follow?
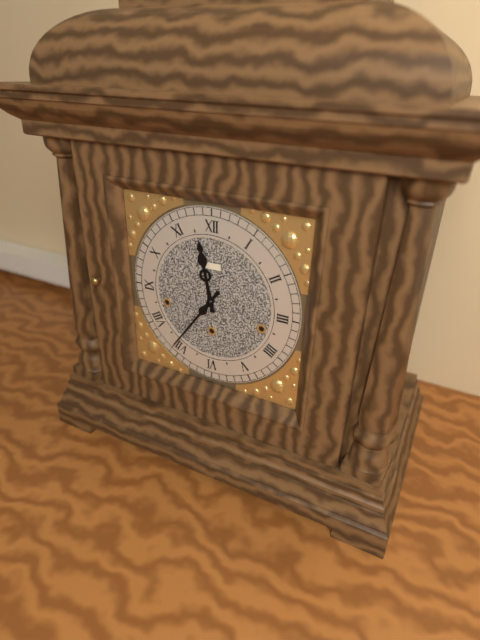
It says 11h36
